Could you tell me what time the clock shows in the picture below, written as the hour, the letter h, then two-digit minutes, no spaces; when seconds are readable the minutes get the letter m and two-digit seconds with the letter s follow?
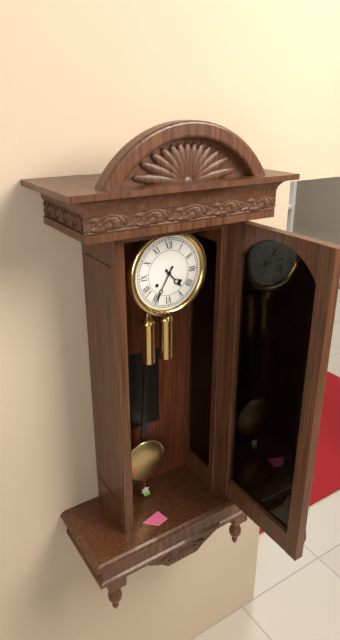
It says 4h35
